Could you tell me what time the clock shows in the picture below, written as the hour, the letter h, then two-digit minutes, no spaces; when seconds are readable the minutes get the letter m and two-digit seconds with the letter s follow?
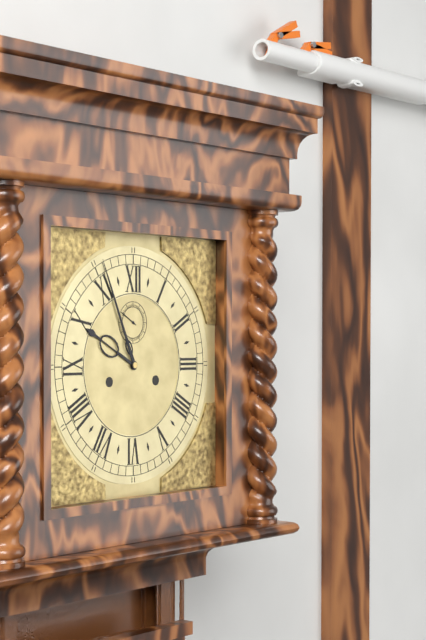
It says 9h56
